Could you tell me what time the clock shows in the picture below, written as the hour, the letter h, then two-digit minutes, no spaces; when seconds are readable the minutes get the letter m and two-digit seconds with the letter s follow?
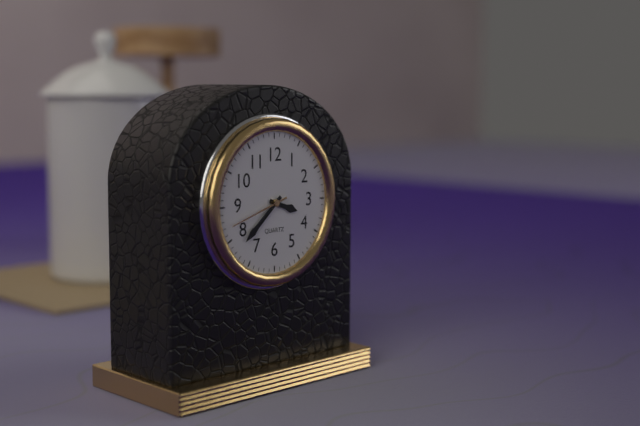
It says 3h38m42s
